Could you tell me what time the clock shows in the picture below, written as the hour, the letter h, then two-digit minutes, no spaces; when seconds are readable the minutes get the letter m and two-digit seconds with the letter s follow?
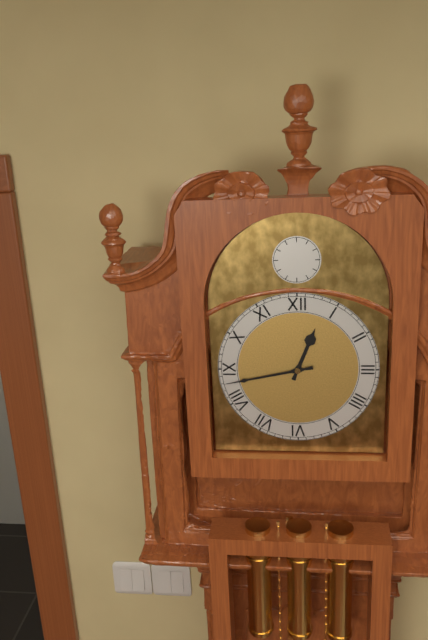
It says 12h43
